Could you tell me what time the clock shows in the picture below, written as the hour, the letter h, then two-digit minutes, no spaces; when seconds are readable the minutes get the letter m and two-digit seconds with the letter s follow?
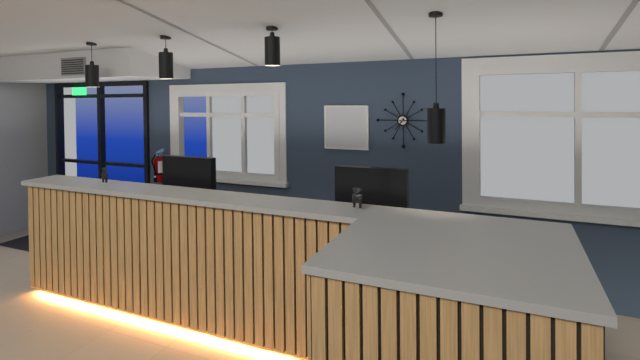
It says 7h15
